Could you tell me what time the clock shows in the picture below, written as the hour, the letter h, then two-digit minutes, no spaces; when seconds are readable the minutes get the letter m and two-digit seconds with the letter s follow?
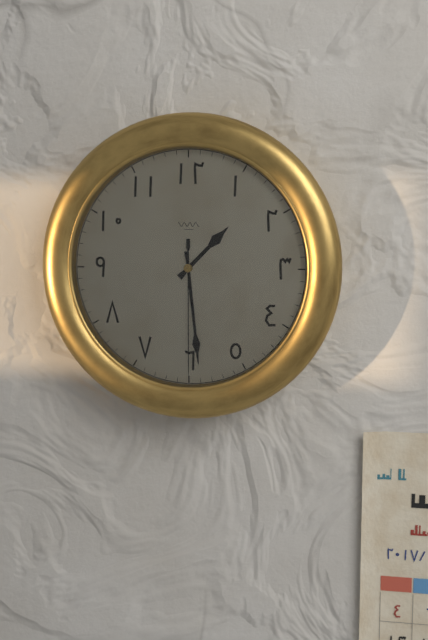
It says 1h29m30s
